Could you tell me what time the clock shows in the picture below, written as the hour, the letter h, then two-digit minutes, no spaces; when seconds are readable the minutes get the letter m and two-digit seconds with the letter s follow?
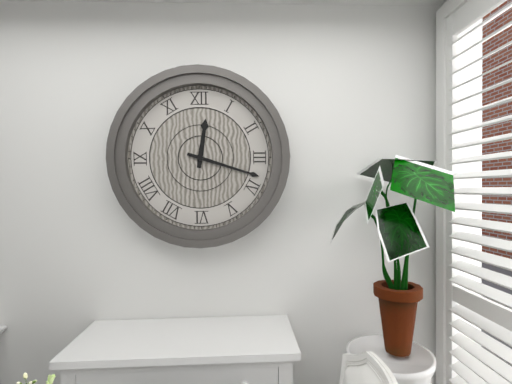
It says 12h18
